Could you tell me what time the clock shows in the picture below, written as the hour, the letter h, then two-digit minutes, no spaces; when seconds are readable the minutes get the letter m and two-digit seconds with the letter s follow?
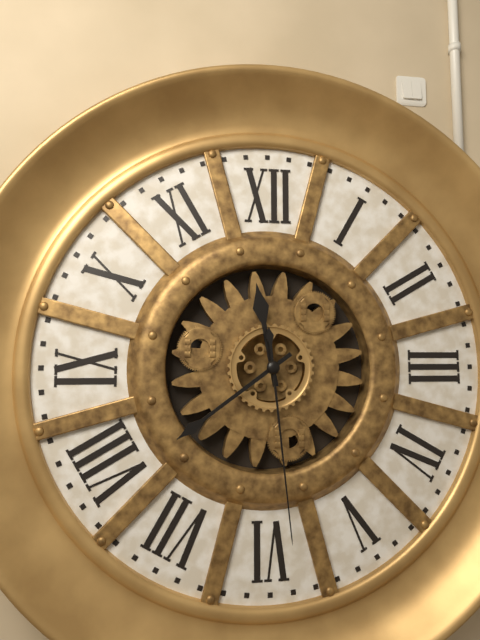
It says 11h39m29s
